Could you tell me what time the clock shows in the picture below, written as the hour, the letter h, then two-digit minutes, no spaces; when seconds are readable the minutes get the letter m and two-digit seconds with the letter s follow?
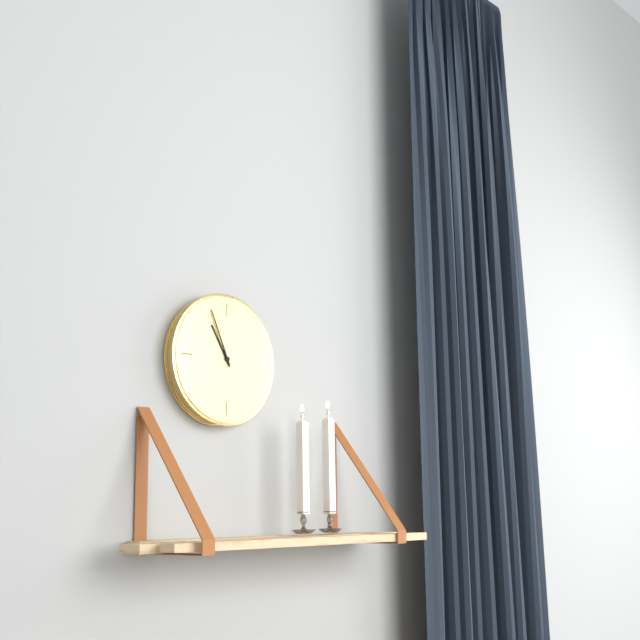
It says 10h56
